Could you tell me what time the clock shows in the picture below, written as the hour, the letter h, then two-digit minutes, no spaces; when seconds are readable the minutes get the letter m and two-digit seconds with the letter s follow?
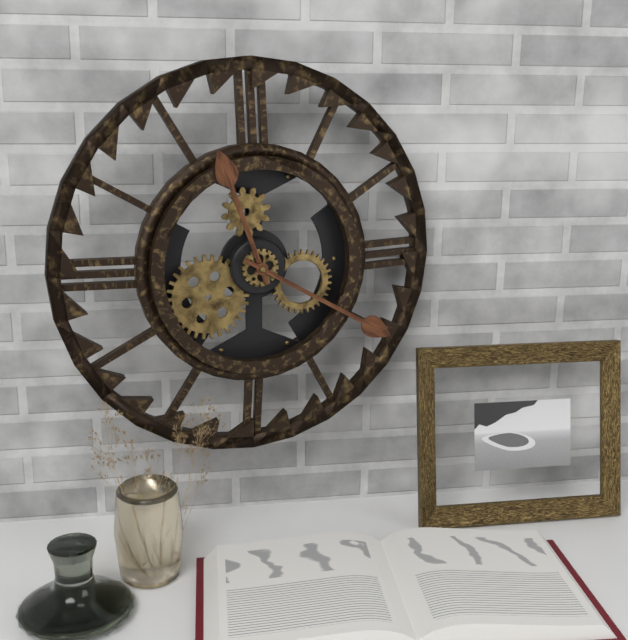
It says 11h20
